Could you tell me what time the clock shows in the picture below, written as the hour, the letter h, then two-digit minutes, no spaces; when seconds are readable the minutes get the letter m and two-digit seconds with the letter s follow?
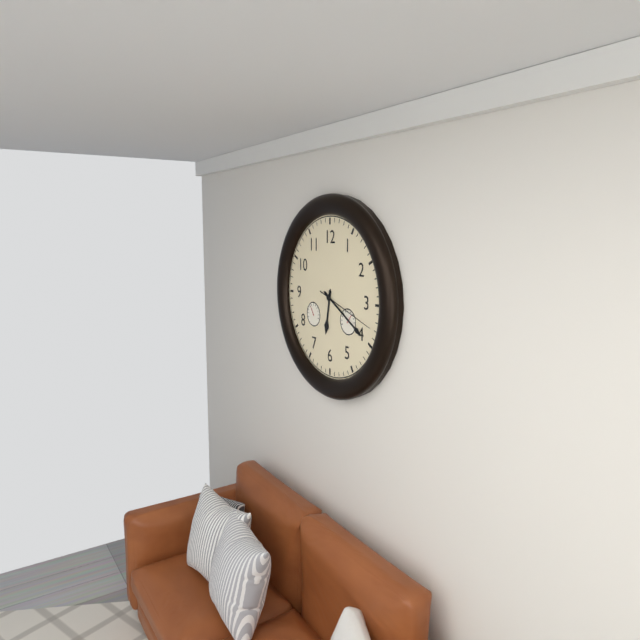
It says 6h20m18s
